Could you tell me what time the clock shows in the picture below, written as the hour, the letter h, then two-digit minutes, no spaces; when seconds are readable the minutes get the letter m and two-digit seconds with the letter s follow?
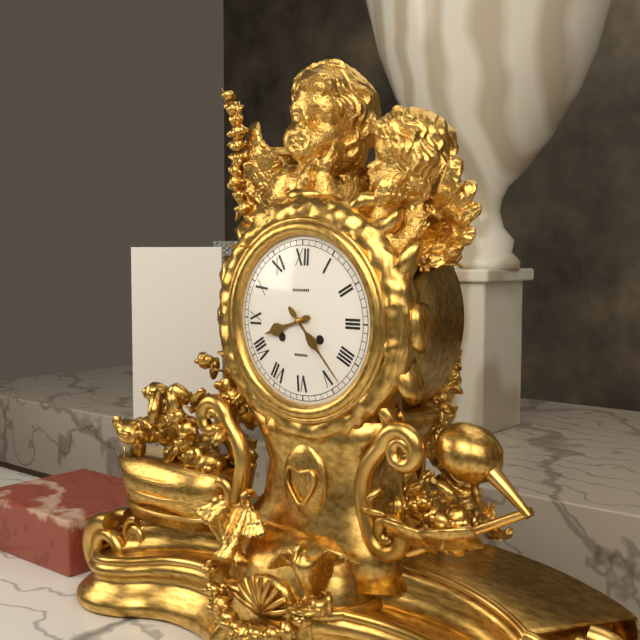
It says 8h23
